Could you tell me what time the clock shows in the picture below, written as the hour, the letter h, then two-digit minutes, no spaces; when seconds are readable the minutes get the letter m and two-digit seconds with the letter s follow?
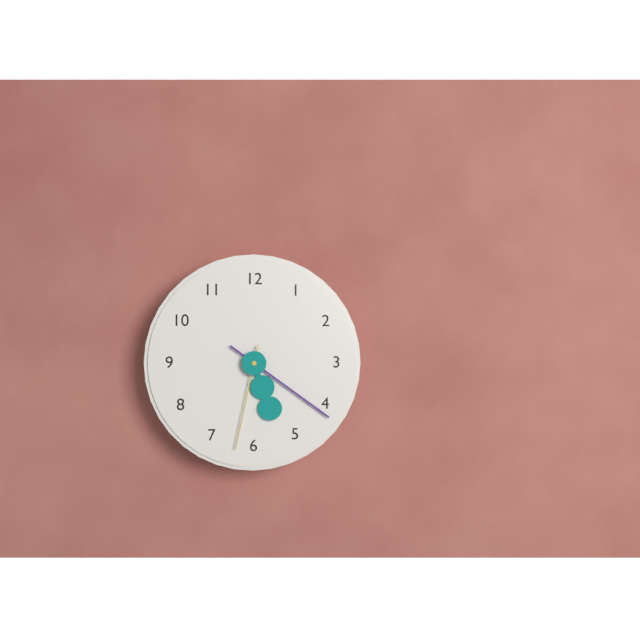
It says 5h21m32s
